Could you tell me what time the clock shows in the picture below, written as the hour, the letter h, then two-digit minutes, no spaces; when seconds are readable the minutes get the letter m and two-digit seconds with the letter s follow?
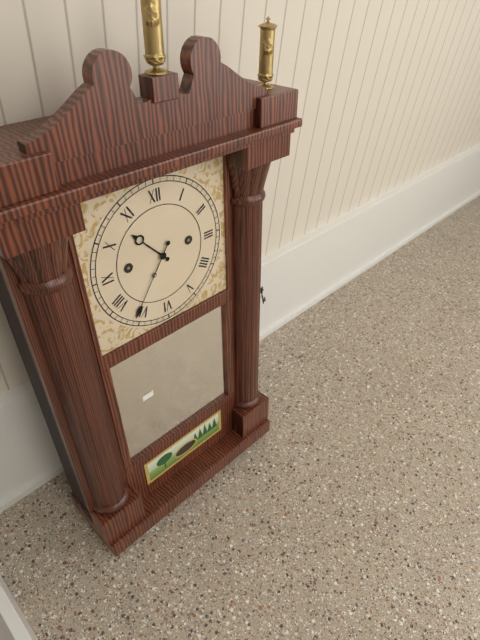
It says 10h36
